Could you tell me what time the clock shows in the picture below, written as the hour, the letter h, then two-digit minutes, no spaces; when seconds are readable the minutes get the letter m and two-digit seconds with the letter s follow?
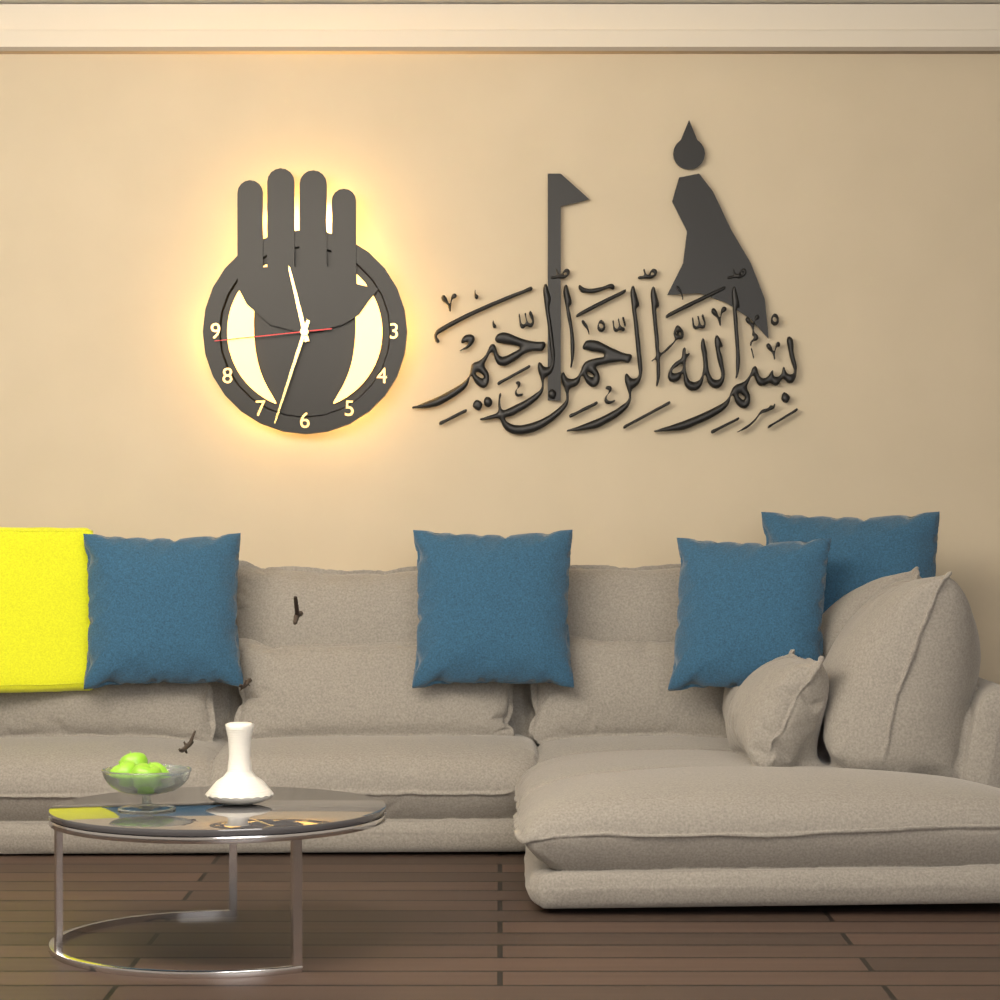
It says 11h33m44s
